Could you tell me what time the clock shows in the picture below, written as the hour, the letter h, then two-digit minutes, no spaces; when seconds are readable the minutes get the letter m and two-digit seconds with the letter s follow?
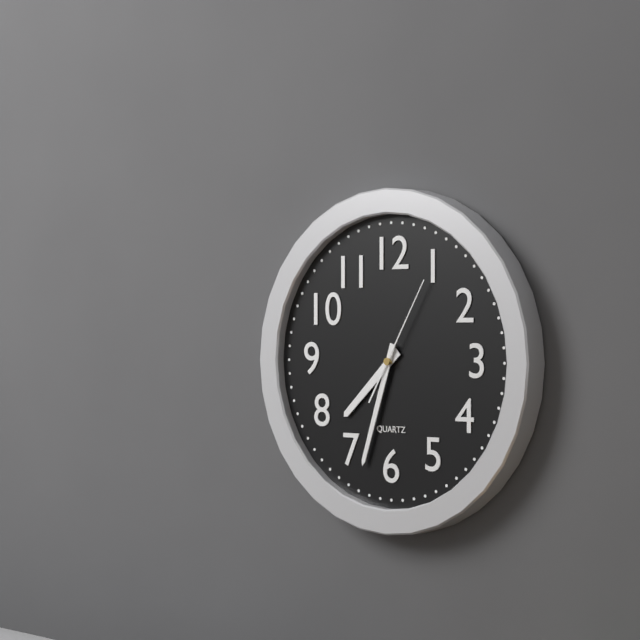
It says 7h33m05s
